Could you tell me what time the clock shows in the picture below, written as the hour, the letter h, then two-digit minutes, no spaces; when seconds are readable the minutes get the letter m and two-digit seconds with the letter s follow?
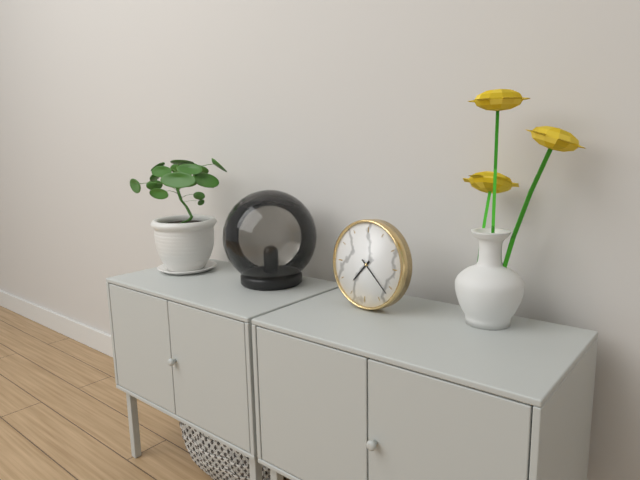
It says 7h22
